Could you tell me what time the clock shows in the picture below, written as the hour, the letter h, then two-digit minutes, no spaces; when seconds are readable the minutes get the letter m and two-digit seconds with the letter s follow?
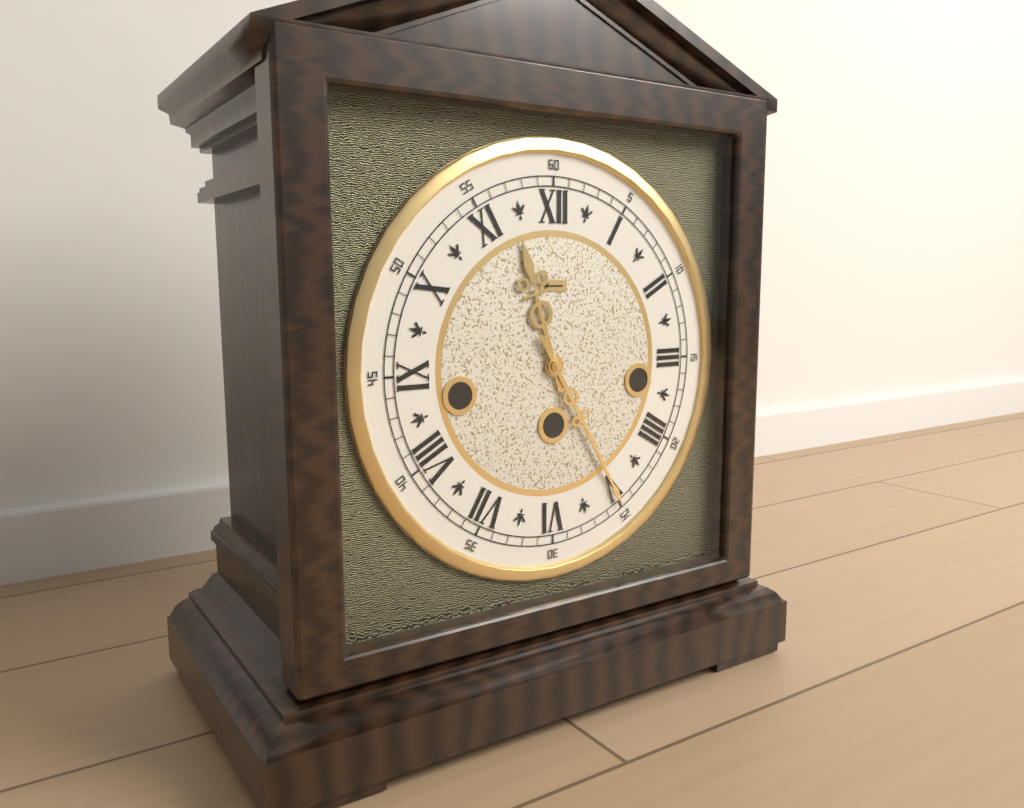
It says 11h25
